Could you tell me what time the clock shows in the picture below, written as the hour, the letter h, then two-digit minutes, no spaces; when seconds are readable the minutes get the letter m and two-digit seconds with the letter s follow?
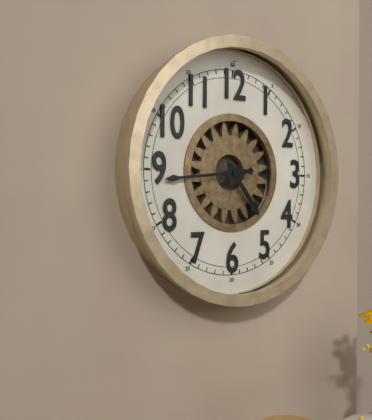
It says 4h44
